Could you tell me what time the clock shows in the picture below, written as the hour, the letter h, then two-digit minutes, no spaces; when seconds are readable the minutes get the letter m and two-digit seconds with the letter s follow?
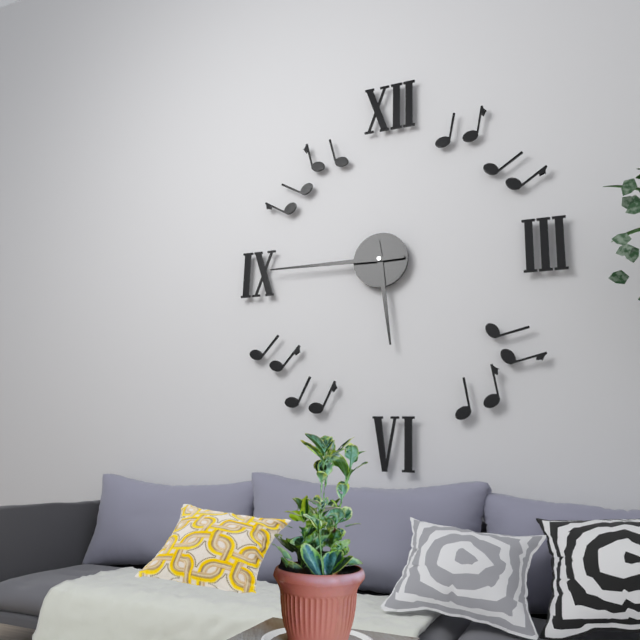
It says 5h45
